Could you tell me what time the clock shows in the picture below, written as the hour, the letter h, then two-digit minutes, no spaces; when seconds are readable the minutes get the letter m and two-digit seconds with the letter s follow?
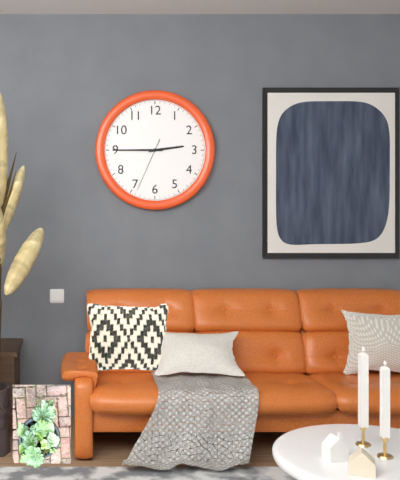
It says 2h45m34s
